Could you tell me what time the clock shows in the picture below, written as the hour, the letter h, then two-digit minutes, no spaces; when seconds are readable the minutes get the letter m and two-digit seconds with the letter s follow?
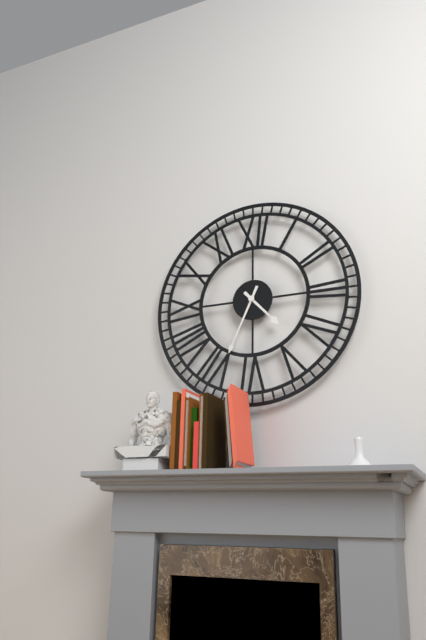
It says 4h34
